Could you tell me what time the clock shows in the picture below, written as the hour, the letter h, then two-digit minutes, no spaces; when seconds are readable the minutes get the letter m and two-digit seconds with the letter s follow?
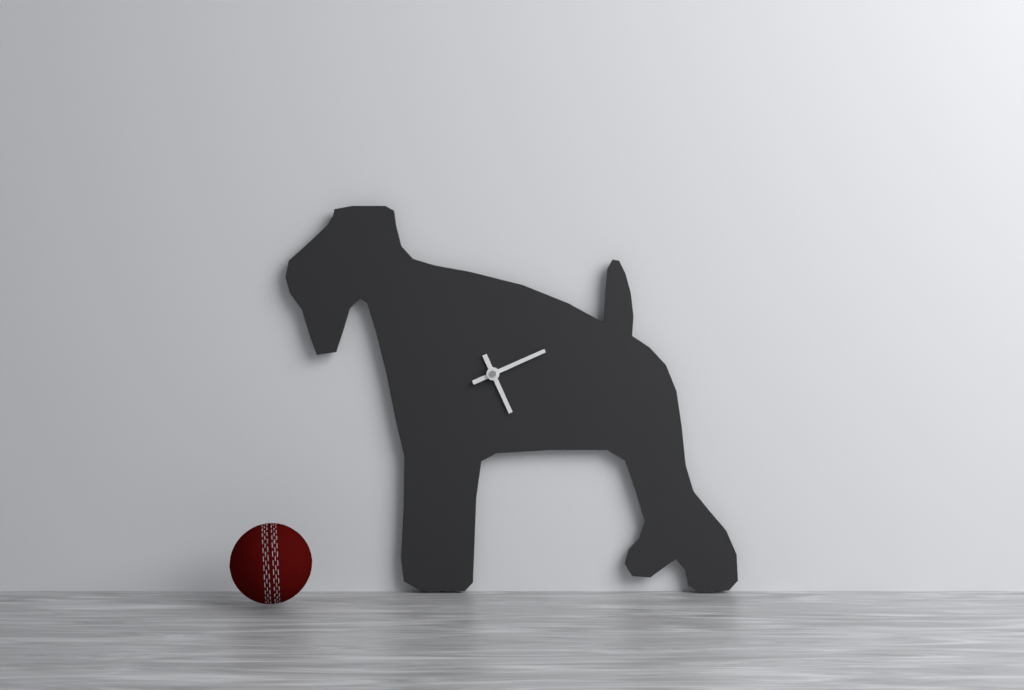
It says 5h11
